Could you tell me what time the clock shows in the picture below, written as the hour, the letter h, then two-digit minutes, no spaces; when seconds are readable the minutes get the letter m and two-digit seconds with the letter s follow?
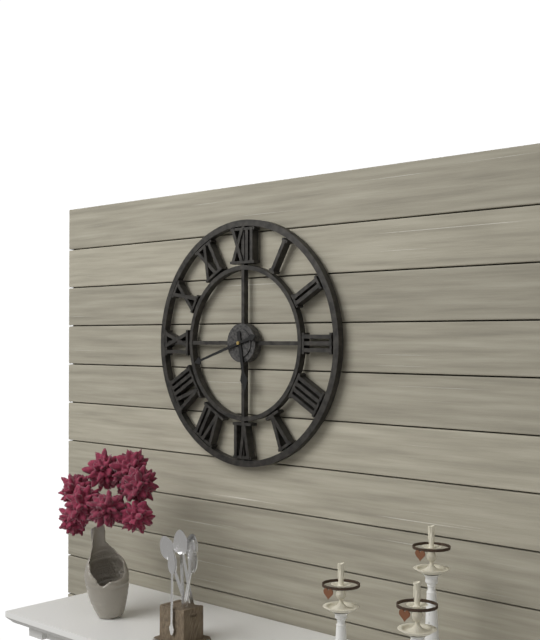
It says 5h42
